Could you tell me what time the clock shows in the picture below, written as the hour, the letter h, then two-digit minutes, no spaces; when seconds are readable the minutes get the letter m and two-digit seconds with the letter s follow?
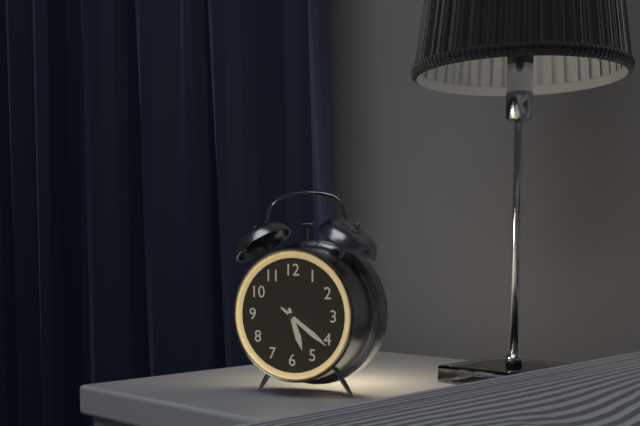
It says 5h21
